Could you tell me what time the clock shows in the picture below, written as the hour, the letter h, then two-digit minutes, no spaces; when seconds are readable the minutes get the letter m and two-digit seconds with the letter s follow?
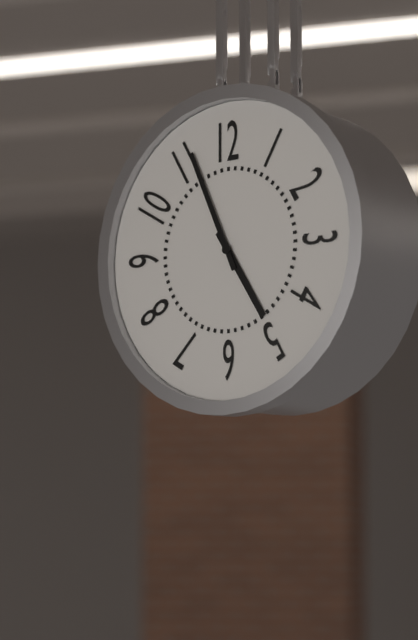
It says 4h56
